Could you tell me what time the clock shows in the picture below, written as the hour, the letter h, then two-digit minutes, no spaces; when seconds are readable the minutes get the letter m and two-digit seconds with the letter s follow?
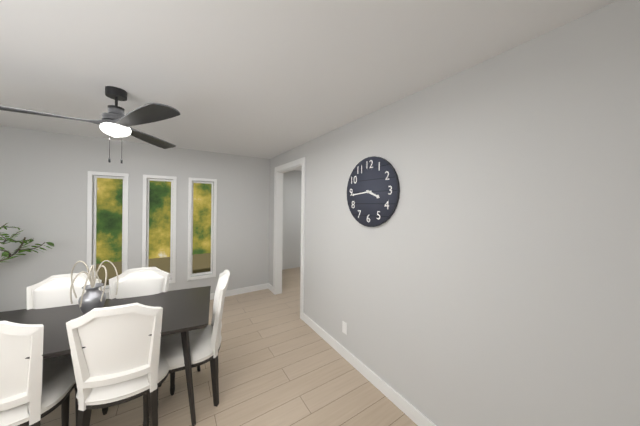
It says 3h44
